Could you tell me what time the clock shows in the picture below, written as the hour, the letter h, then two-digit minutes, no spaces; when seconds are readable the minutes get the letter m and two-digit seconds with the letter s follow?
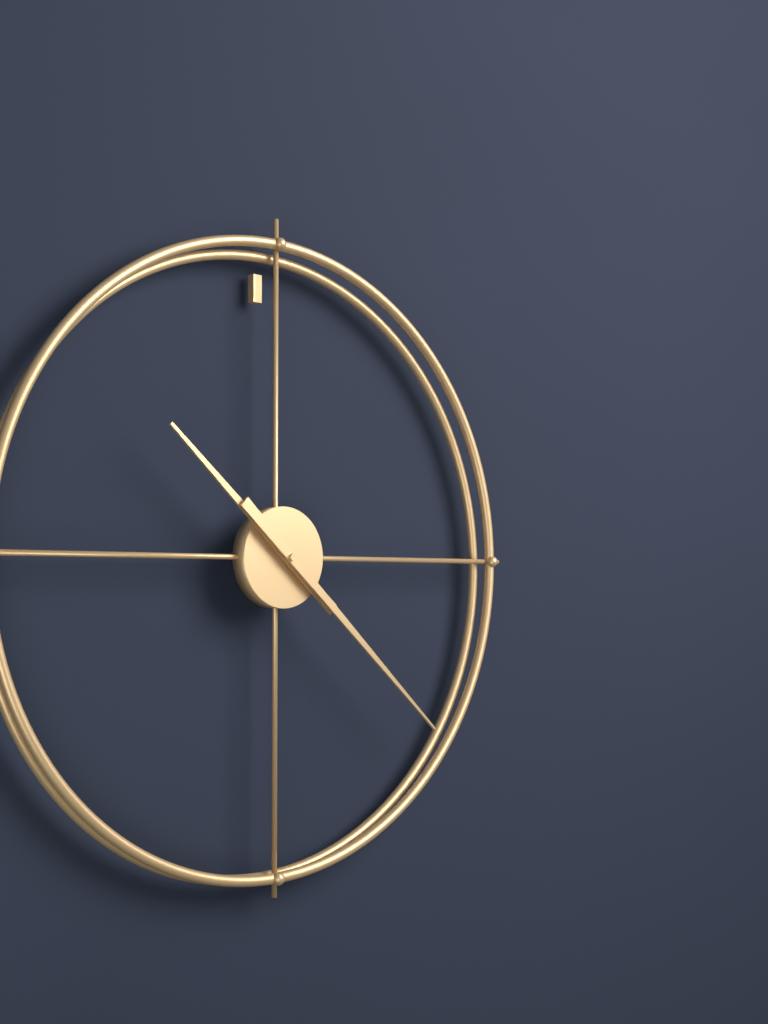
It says 10h22
